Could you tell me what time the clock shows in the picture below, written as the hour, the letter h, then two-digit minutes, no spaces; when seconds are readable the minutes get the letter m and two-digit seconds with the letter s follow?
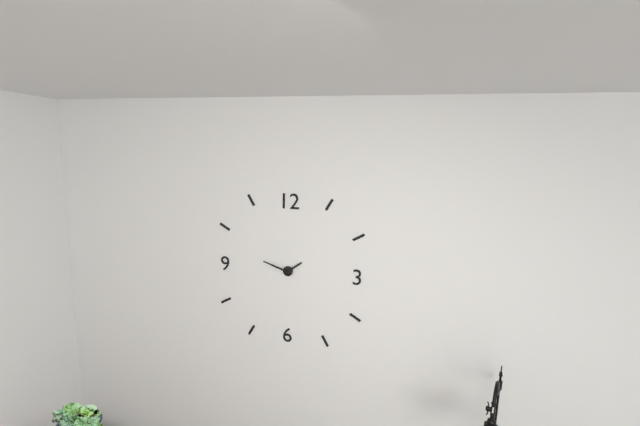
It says 1h48
